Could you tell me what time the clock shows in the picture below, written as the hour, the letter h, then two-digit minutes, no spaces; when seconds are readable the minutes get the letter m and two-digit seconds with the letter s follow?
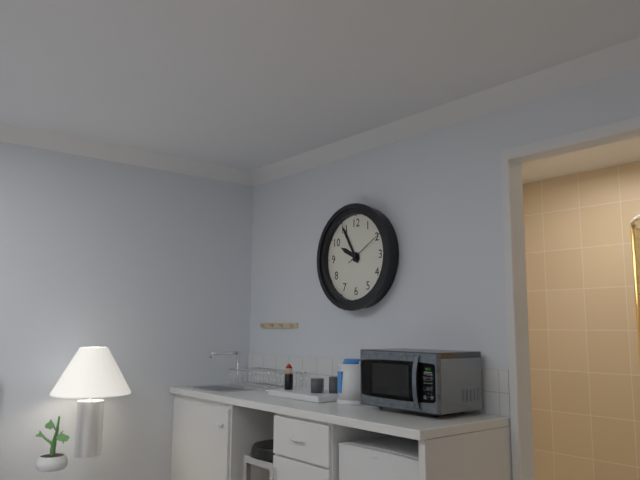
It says 9h55
